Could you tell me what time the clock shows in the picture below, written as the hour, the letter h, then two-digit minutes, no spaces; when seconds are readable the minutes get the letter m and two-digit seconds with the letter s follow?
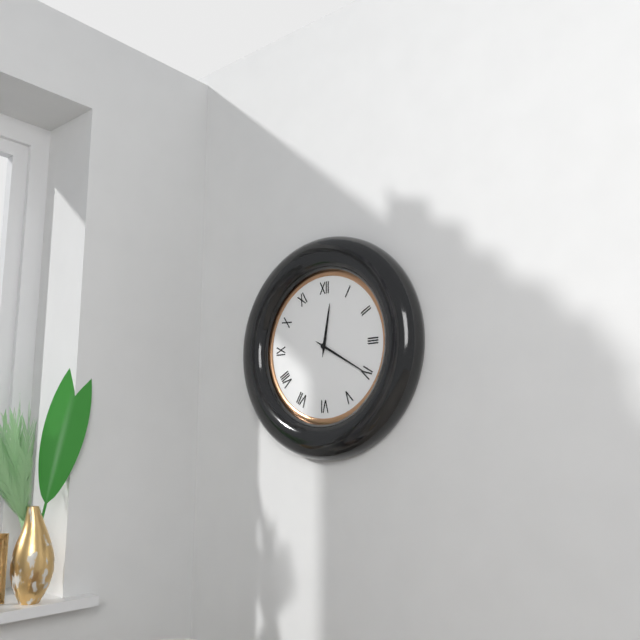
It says 12h20
